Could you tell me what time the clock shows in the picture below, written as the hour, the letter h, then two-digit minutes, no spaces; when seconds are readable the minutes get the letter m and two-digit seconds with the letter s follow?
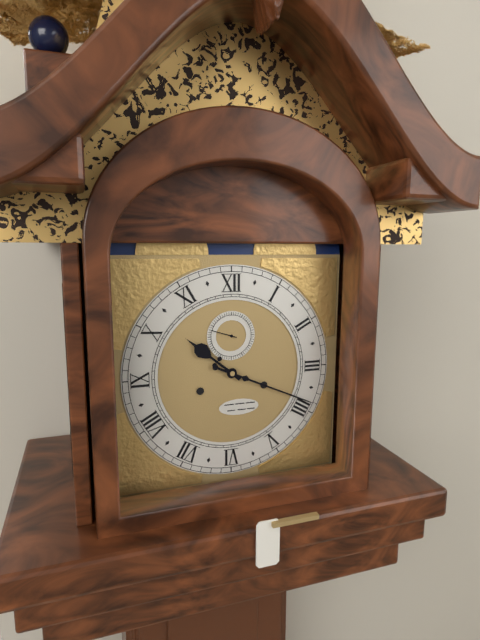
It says 10h19
